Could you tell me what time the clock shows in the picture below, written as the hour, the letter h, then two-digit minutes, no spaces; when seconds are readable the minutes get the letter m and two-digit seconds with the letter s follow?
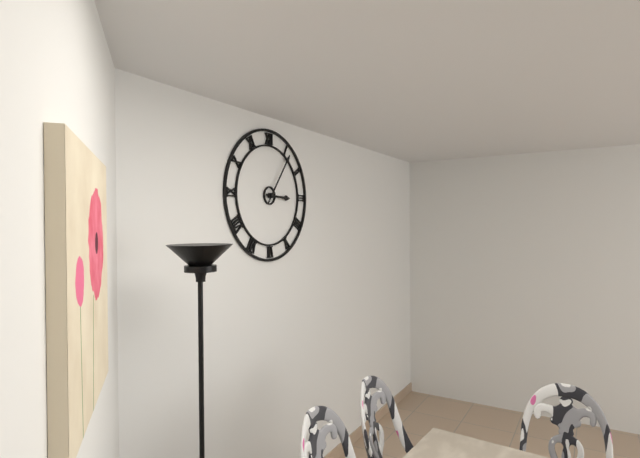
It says 3h06
